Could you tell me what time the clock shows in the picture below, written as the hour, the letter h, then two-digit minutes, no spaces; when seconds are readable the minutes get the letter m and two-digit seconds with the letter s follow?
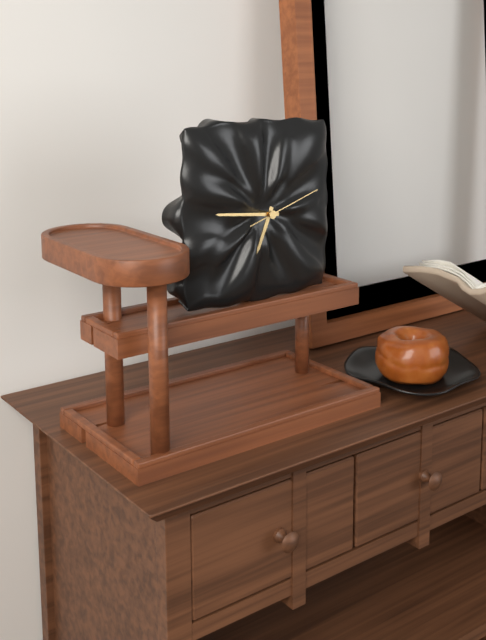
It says 6h46m12s
